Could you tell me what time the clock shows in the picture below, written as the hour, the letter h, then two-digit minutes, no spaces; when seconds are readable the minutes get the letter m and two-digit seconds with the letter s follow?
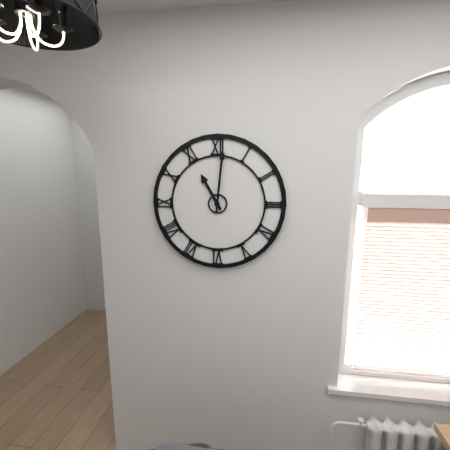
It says 11h01
